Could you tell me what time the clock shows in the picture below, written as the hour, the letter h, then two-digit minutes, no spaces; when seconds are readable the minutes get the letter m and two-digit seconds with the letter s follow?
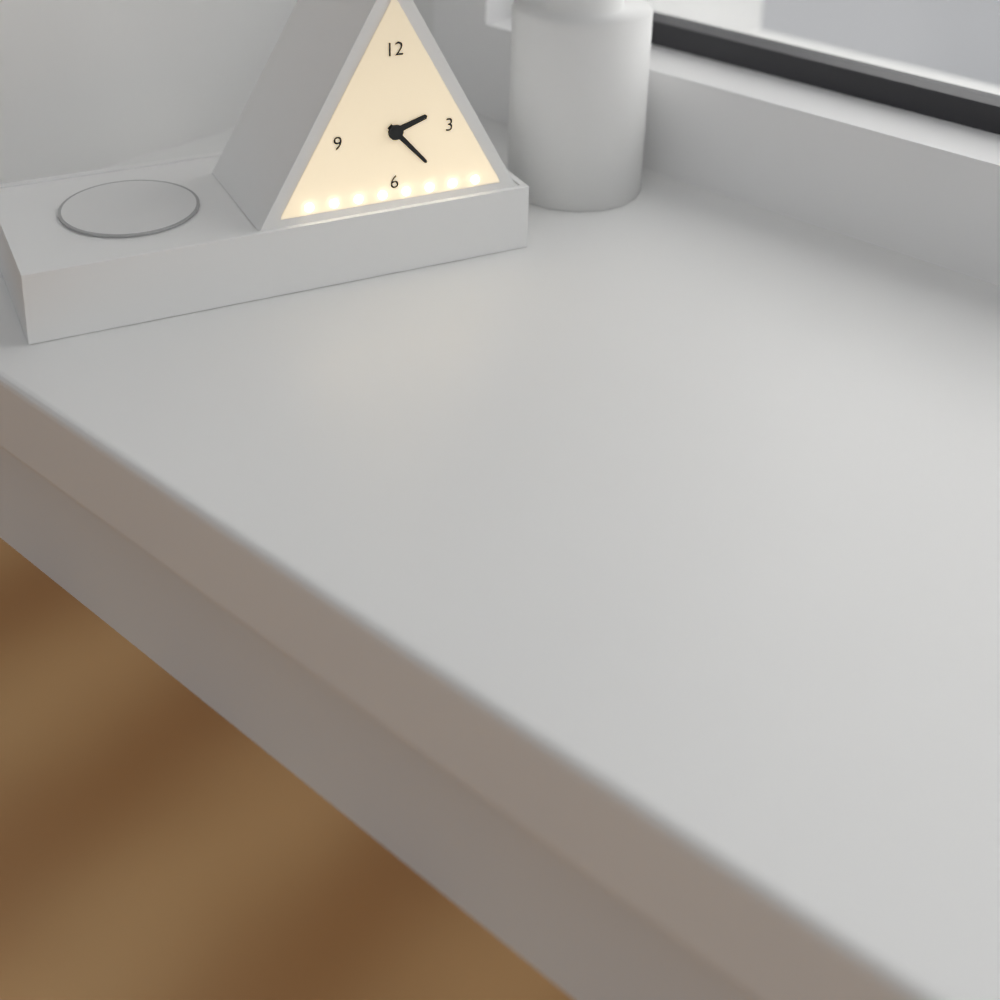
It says 2h23
